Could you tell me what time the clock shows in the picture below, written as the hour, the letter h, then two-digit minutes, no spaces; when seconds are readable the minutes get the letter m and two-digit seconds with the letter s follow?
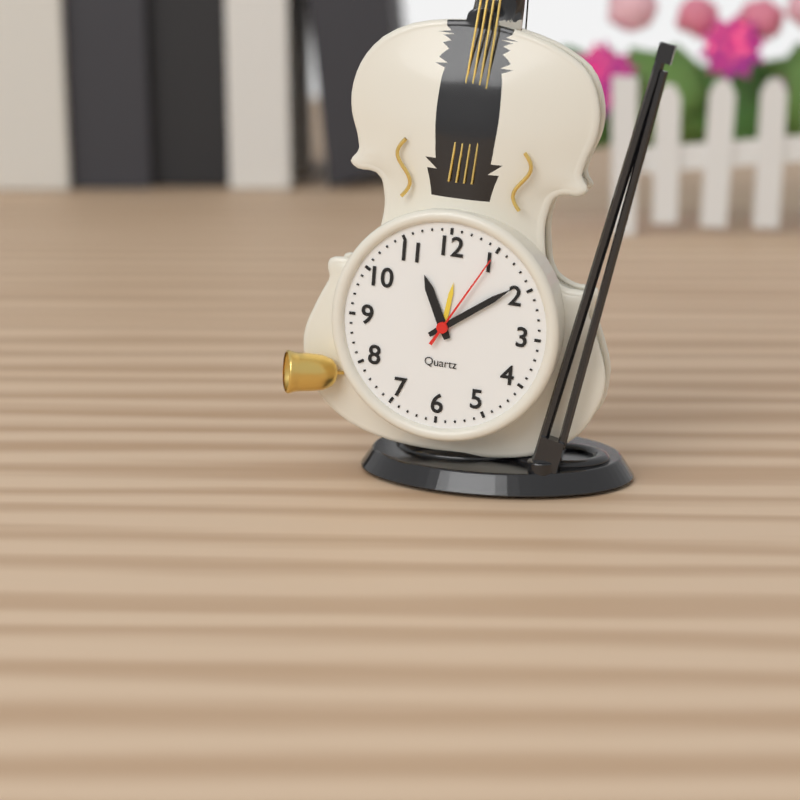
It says 11h09m05s
